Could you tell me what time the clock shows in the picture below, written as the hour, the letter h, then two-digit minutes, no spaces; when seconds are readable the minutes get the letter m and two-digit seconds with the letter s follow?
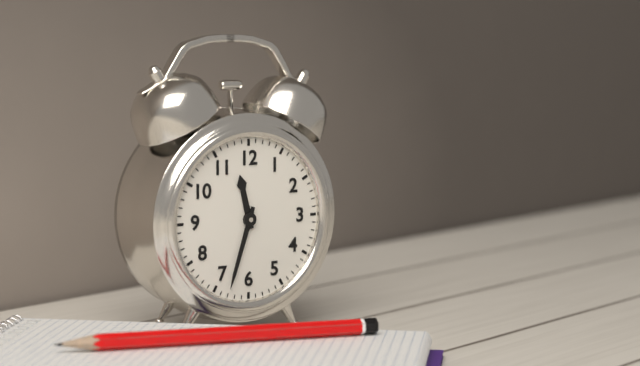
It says 11h33
